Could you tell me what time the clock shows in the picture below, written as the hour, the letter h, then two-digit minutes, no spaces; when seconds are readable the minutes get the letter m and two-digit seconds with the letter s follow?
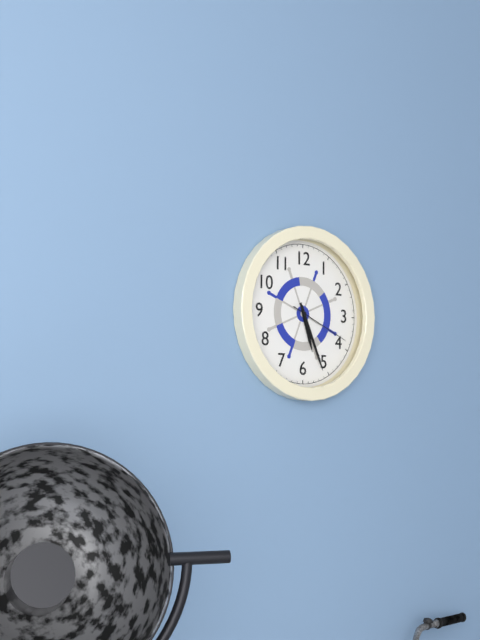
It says 5h26m19s
